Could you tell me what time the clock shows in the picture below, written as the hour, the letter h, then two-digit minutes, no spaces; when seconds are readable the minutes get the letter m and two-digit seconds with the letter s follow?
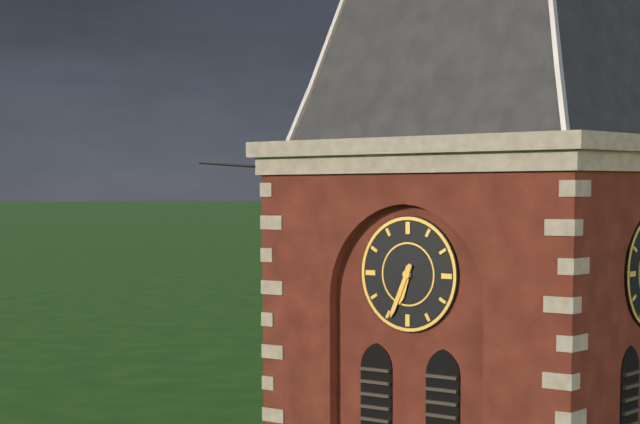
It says 6h34
